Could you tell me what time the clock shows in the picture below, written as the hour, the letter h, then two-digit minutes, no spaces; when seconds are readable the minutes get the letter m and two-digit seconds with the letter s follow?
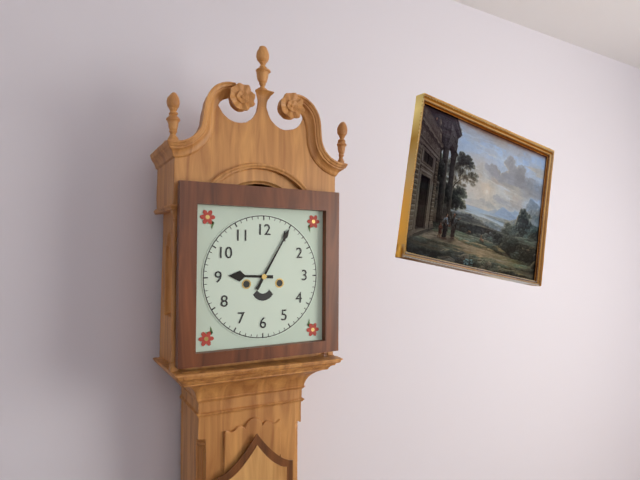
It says 9h05
